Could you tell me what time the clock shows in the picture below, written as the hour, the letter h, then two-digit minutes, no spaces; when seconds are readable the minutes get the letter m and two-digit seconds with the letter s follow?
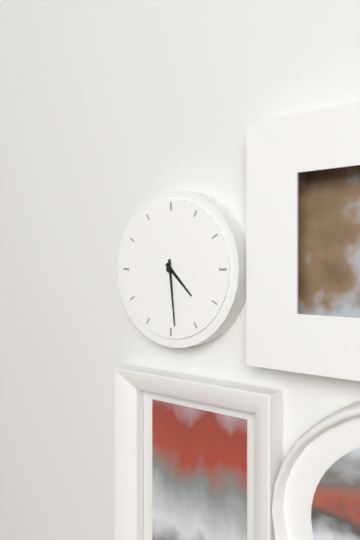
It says 4h29
